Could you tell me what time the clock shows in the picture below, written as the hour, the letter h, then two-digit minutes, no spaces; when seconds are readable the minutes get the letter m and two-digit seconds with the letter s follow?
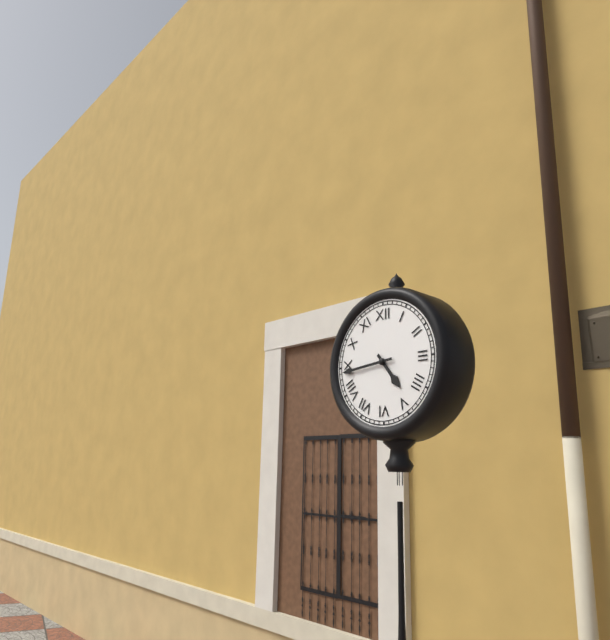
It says 4h44
